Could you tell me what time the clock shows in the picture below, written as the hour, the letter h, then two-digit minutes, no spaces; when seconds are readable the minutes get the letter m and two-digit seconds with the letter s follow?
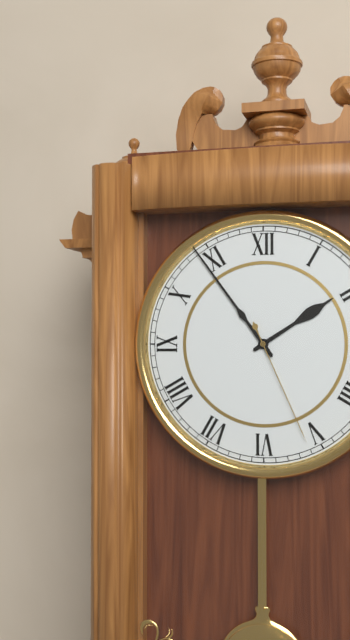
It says 1h54m26s
